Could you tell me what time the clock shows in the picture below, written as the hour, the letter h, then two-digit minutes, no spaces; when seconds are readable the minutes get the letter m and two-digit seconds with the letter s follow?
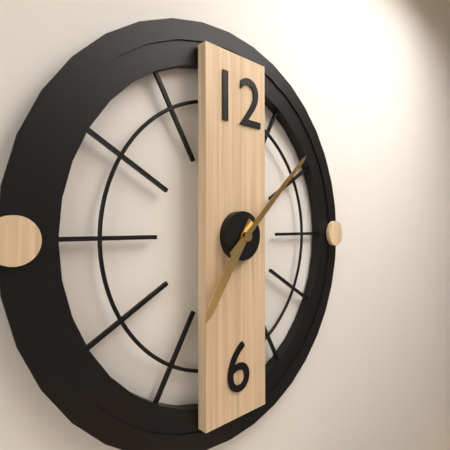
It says 7h08
